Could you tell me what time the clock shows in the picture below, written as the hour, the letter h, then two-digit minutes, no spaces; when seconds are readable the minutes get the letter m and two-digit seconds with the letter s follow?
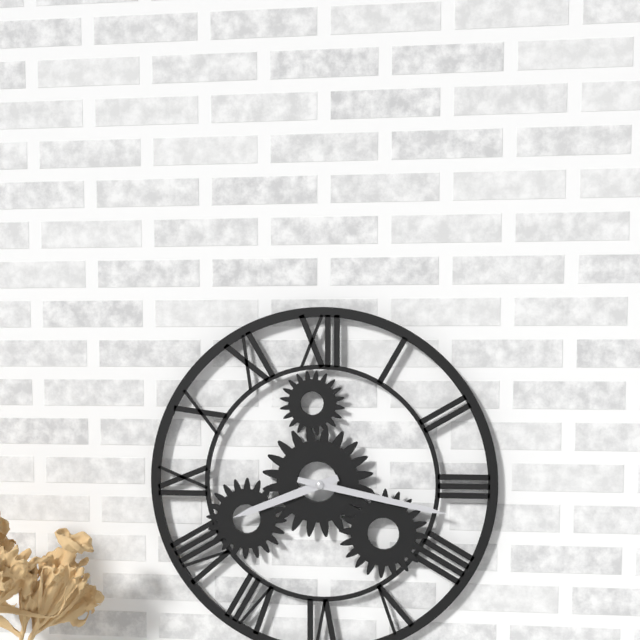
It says 8h17
